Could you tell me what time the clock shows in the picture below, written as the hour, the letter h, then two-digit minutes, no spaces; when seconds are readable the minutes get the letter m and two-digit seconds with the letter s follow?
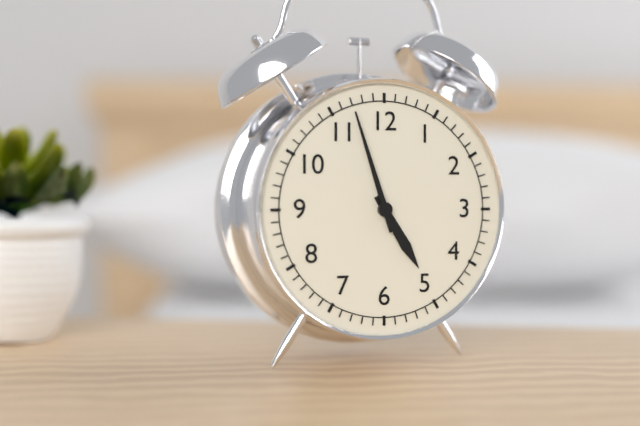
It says 4h57
